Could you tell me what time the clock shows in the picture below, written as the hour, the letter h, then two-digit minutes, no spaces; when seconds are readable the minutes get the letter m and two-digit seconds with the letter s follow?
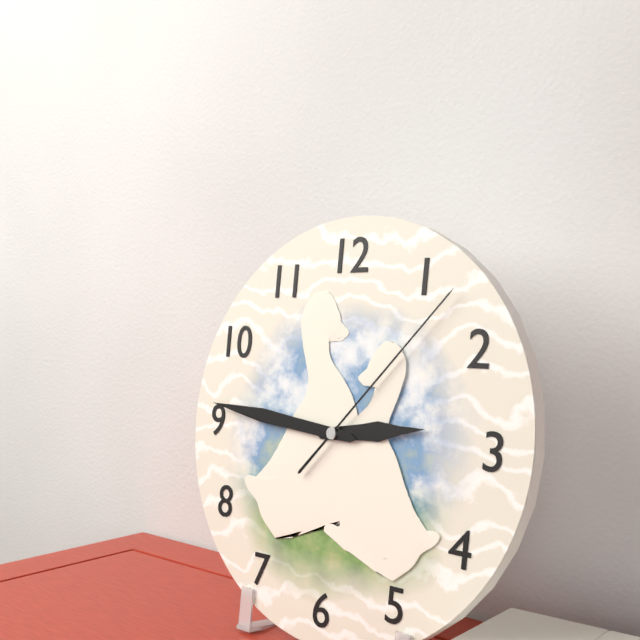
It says 2h46m07s
